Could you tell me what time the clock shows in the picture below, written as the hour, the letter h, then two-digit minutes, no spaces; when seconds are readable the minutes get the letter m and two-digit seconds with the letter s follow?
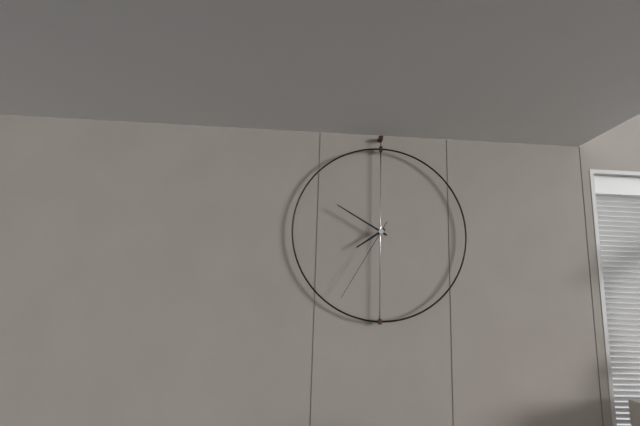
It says 7h50m35s
